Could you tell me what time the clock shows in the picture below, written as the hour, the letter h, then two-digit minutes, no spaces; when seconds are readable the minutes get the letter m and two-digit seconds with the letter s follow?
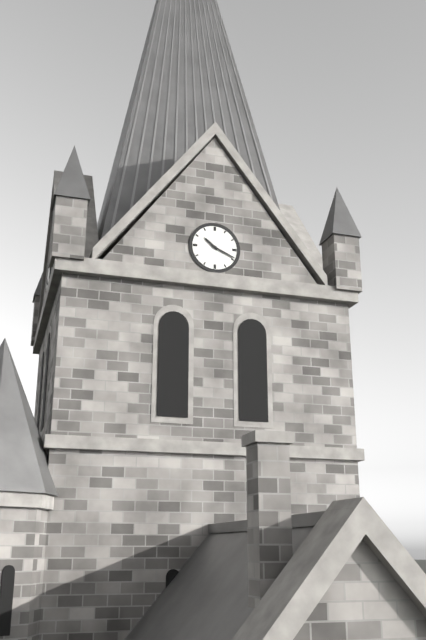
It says 10h19
